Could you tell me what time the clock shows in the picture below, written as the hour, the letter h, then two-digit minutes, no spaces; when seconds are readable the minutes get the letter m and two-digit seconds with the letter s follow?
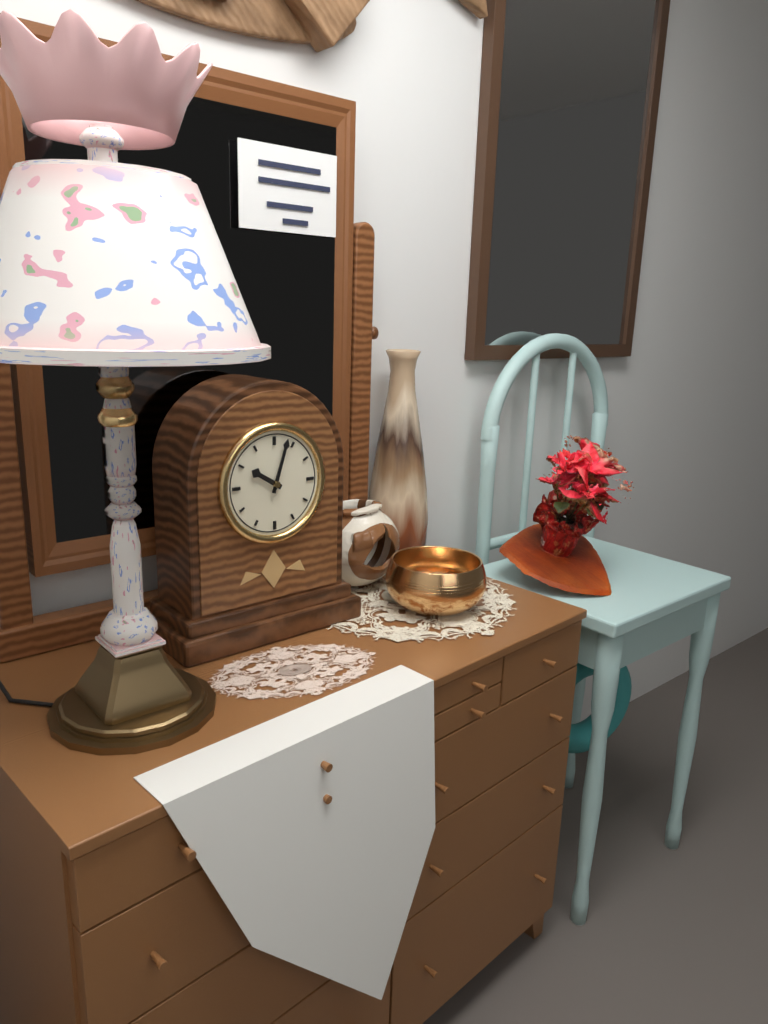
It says 10h03
